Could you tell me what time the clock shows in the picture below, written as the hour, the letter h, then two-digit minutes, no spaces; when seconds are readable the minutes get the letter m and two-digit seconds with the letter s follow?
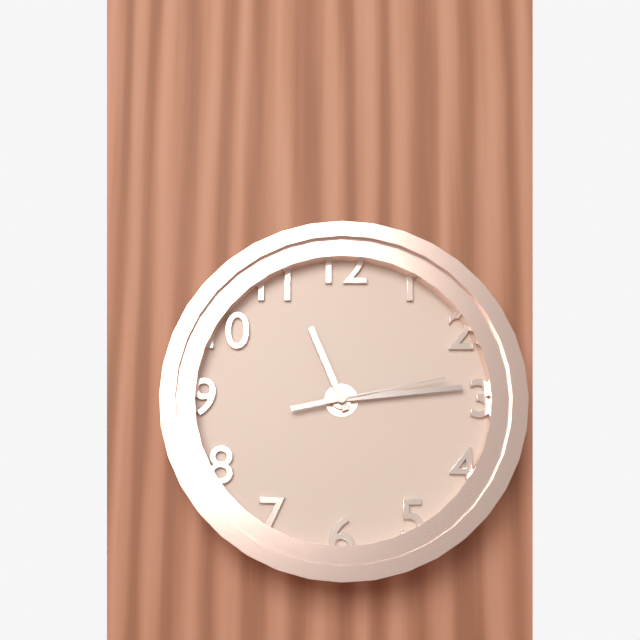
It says 11h14m13s
